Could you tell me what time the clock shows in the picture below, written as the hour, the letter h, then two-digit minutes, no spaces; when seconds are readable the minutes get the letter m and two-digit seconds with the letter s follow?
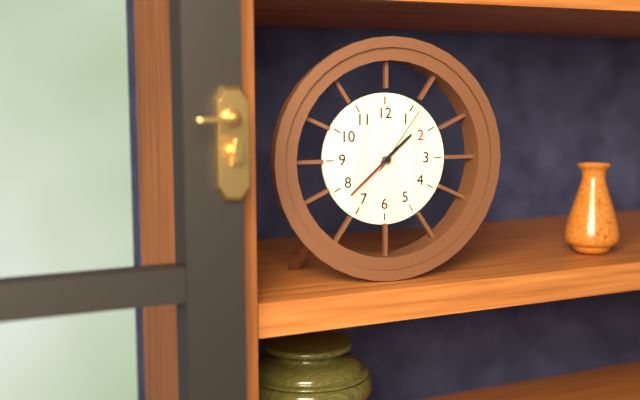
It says 1h38m06s
